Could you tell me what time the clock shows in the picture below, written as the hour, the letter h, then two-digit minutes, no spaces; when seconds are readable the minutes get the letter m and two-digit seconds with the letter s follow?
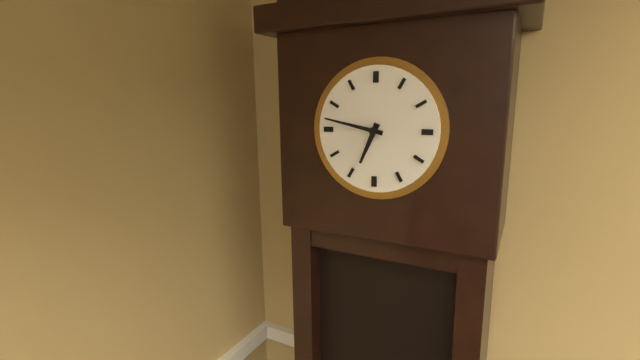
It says 6h47
